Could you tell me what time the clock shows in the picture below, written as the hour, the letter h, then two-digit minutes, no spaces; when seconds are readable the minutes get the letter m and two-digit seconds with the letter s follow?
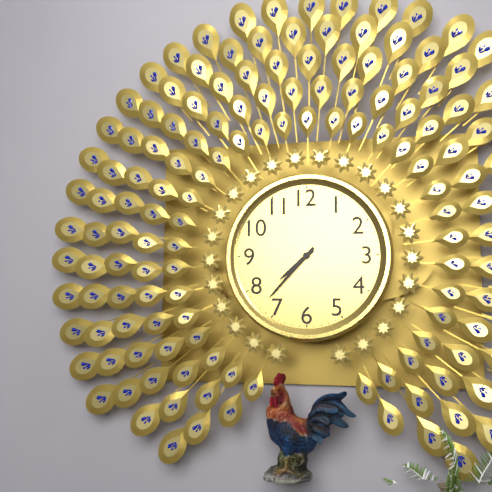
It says 7h37
